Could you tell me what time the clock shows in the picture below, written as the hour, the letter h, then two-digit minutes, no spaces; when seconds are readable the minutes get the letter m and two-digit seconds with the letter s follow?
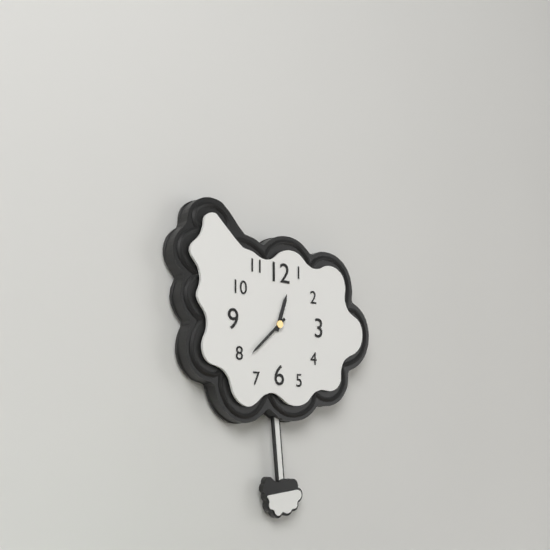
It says 12h38
